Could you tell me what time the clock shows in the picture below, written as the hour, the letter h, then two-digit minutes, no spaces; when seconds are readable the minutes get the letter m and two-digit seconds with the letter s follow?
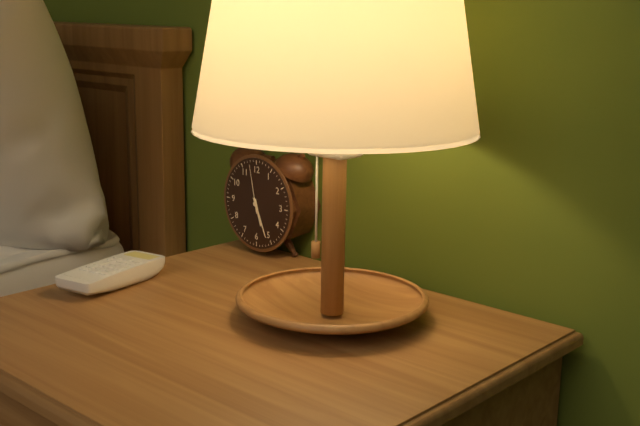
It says 5h26
